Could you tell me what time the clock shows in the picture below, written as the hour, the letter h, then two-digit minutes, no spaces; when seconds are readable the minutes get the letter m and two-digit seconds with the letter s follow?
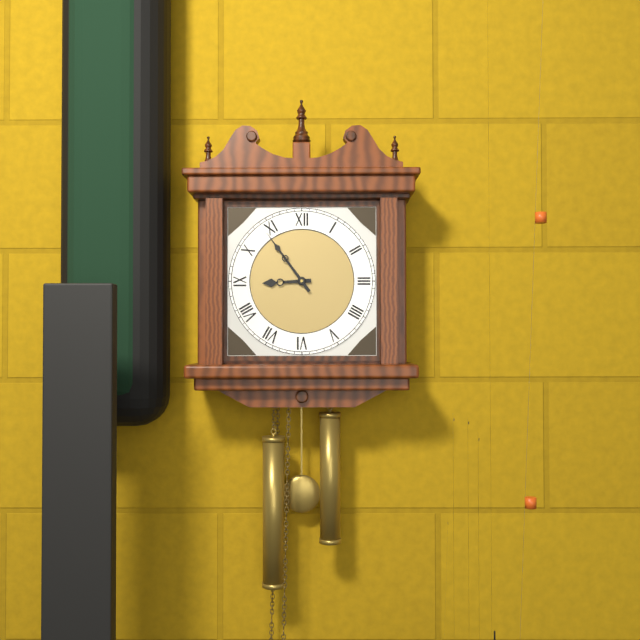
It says 8h54
